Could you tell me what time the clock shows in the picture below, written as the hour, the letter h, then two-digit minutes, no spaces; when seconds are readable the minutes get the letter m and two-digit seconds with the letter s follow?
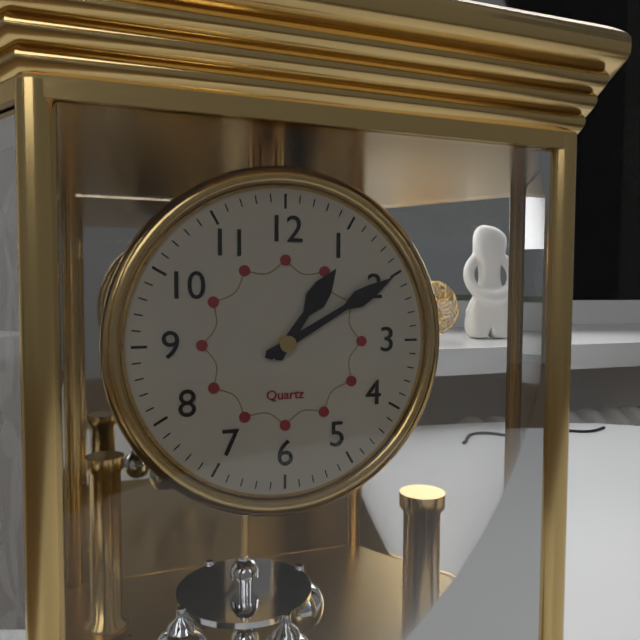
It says 1h10
